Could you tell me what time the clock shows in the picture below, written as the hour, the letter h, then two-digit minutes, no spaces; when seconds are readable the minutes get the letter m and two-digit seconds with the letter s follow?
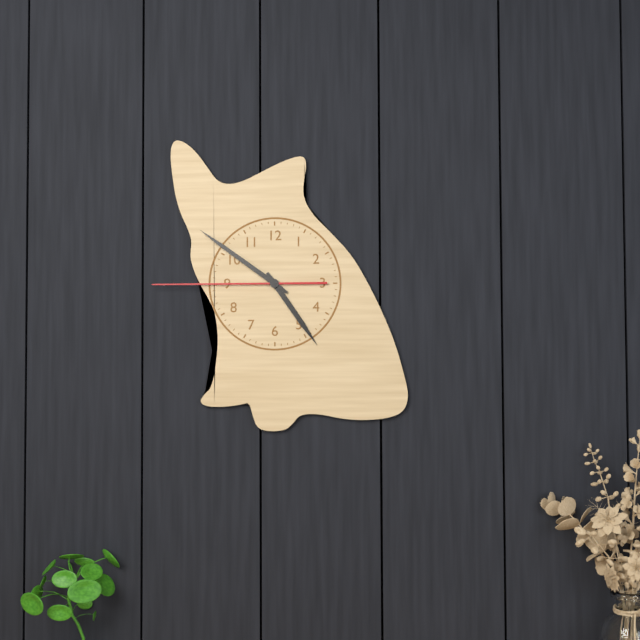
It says 4h51m45s
